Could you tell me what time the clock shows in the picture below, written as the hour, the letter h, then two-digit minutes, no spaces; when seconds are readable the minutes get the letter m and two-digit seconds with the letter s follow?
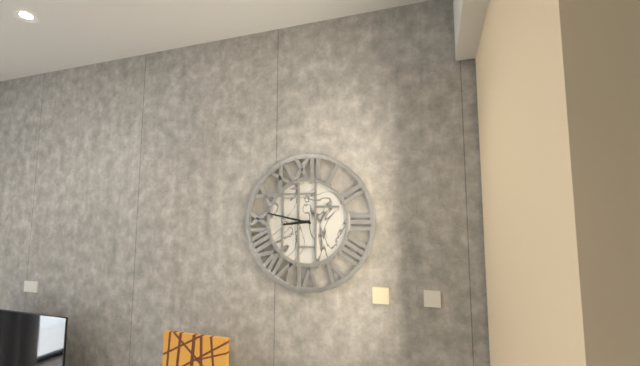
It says 8h47
